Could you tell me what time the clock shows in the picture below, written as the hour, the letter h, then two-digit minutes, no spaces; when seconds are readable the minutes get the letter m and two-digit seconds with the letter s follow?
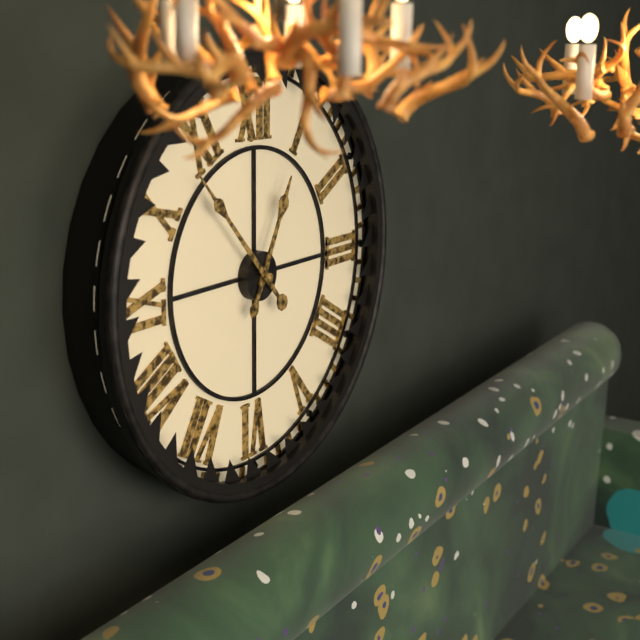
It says 12h53
